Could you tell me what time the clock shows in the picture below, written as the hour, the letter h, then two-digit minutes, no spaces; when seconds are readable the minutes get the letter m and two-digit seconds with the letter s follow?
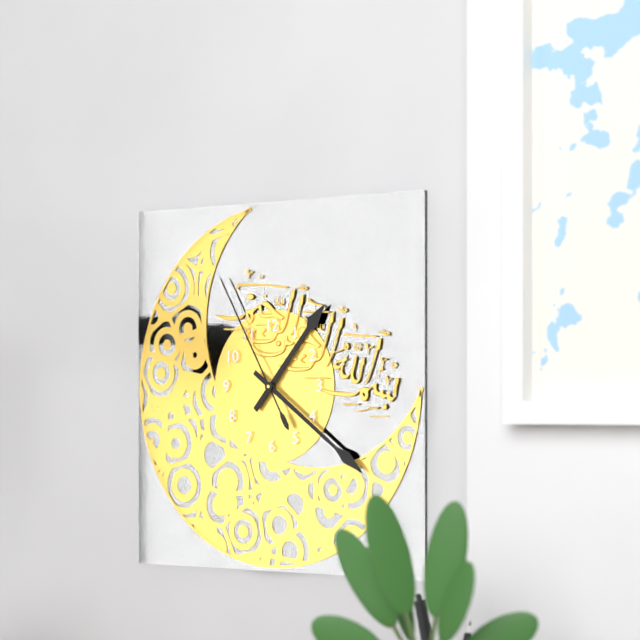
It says 1h21m55s
